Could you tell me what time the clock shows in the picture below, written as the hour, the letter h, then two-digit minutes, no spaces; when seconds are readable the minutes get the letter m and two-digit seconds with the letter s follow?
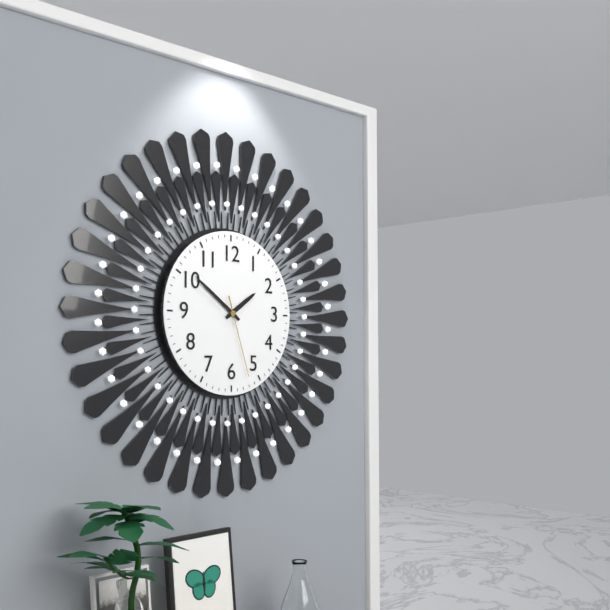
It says 1h51m27s
